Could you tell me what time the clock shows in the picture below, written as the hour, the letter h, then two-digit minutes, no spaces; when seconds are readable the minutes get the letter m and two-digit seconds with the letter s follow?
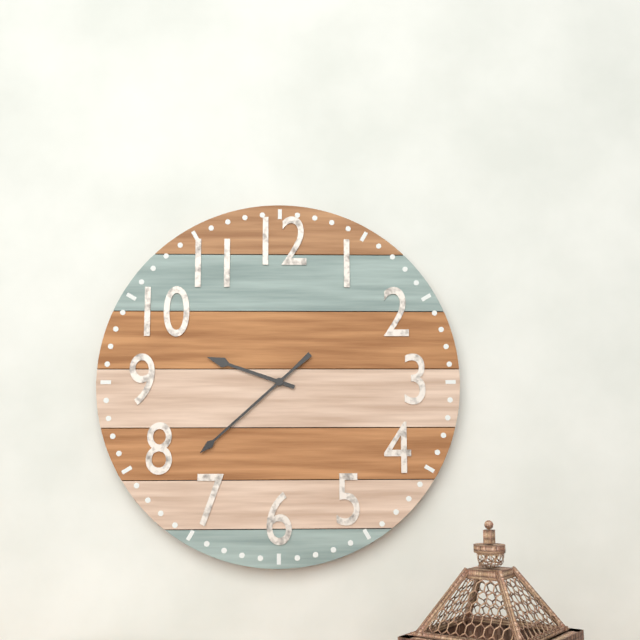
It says 9h38
